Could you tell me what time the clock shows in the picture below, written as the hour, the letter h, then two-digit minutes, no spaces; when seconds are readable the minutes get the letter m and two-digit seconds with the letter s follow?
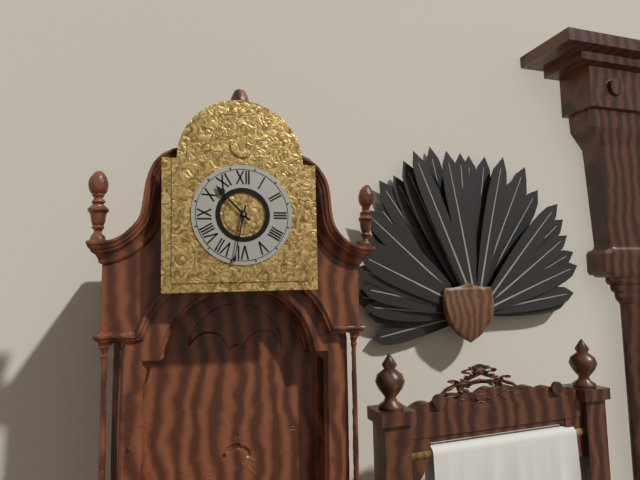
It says 10h32
